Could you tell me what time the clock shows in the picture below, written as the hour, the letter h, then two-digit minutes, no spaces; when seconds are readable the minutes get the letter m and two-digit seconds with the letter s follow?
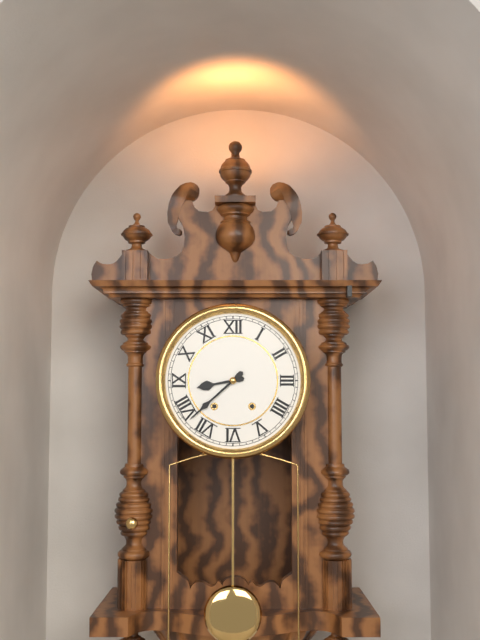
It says 8h38
